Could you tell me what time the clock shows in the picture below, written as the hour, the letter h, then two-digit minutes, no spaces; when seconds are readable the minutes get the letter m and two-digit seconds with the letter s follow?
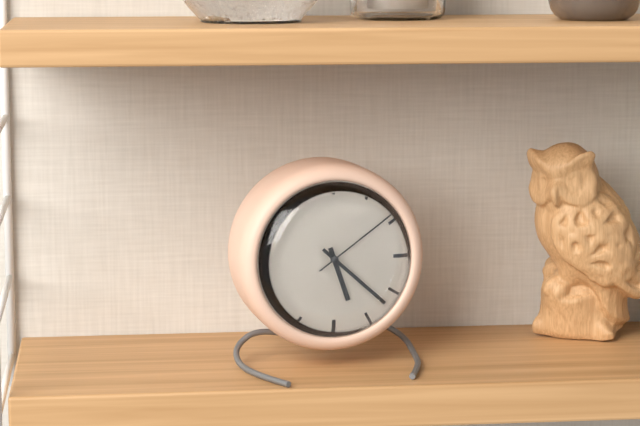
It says 5h22m09s
